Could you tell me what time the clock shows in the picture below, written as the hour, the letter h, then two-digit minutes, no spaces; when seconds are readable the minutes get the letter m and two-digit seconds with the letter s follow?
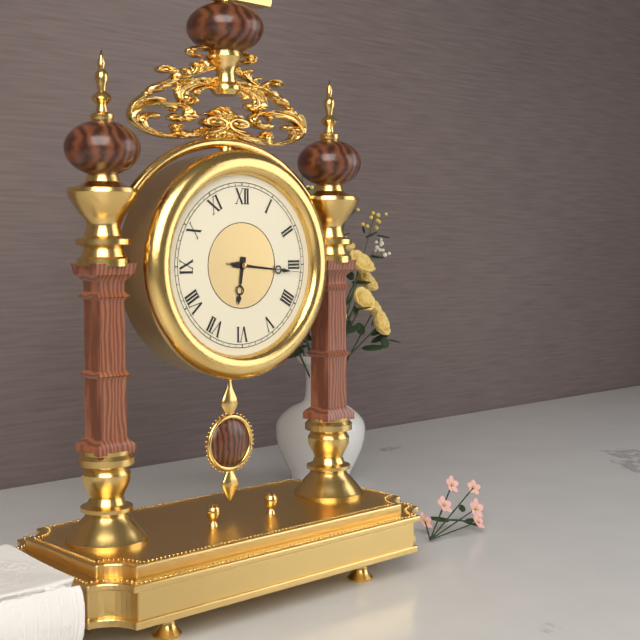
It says 6h16m16s
